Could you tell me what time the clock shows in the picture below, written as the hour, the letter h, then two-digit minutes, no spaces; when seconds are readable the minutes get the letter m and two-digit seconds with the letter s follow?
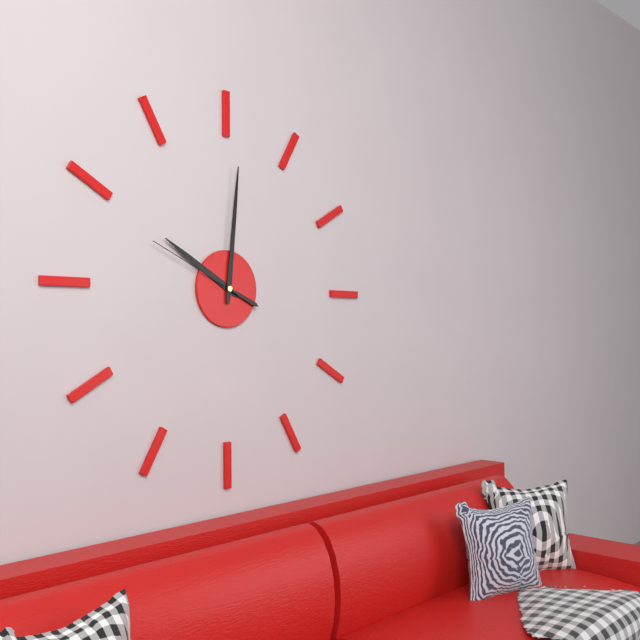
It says 10h01m49s
